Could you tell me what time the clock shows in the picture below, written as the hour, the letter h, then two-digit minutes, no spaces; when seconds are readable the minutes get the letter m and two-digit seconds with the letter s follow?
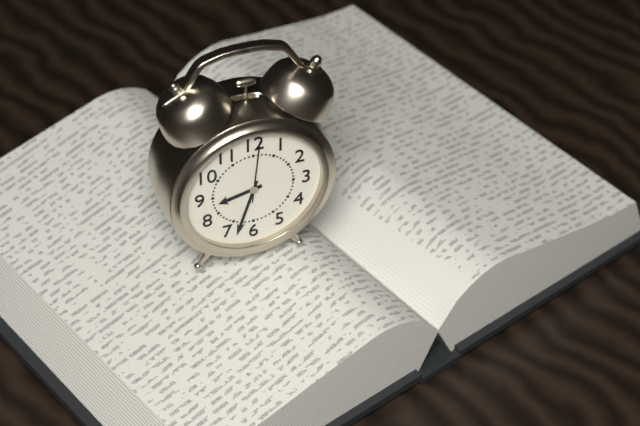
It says 8h33m01s
